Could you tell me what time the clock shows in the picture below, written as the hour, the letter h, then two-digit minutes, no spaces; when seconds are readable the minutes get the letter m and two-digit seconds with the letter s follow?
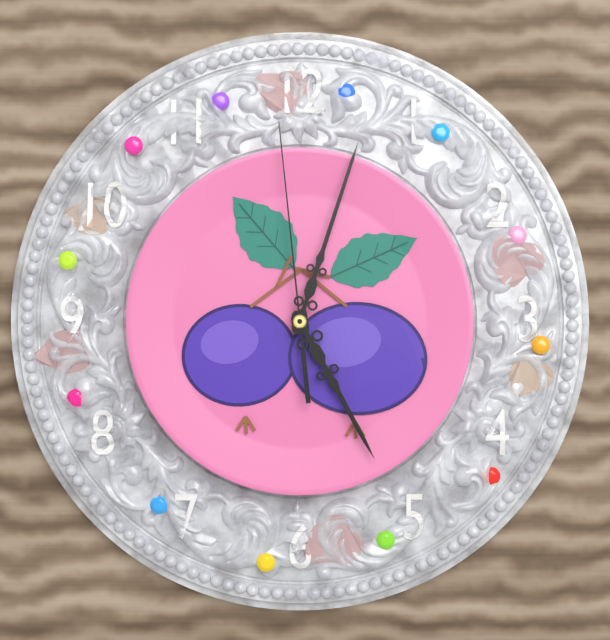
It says 5h03m59s
